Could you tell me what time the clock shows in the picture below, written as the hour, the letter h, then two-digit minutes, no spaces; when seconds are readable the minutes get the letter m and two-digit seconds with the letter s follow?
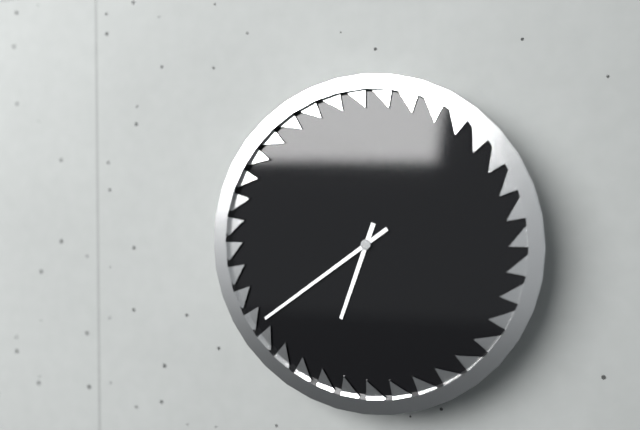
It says 6h39
